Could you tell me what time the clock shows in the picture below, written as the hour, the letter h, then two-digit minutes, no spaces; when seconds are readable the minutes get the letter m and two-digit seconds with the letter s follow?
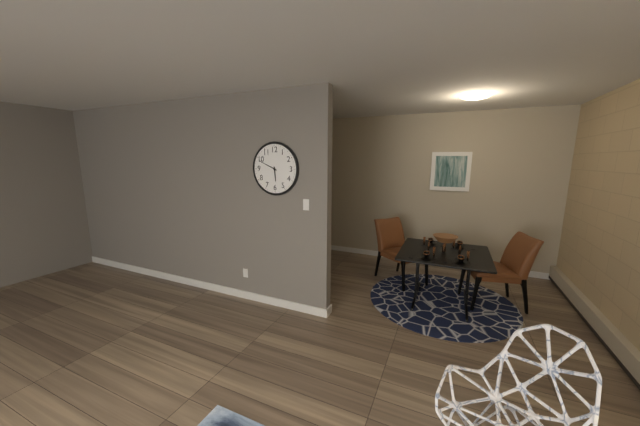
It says 5h49
